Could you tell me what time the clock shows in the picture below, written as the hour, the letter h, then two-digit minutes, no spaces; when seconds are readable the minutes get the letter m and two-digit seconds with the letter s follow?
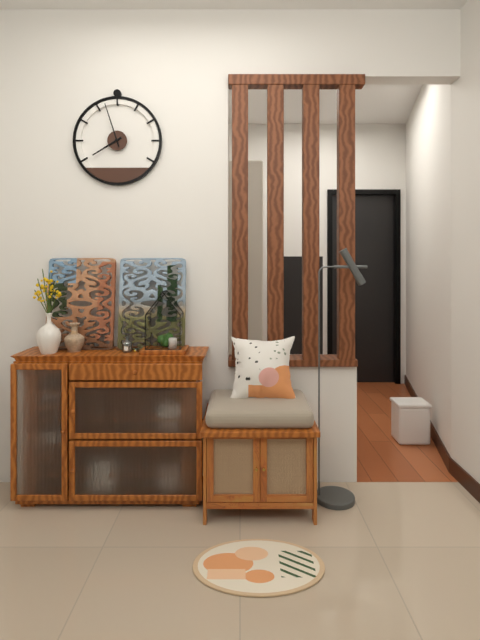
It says 7h57
